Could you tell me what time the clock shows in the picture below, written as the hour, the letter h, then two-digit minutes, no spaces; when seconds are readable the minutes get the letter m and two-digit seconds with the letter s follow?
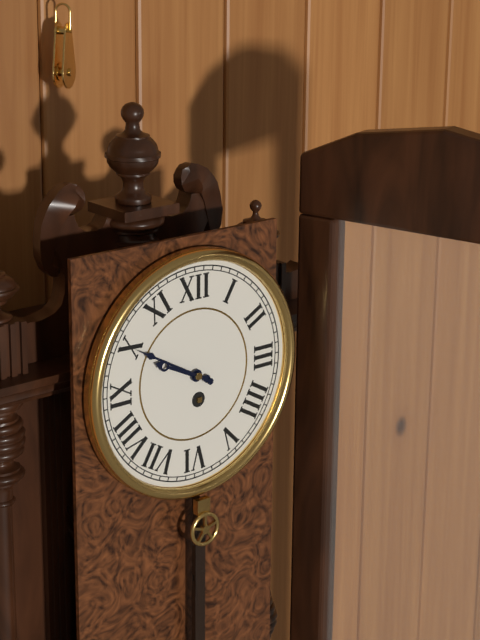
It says 9h50
